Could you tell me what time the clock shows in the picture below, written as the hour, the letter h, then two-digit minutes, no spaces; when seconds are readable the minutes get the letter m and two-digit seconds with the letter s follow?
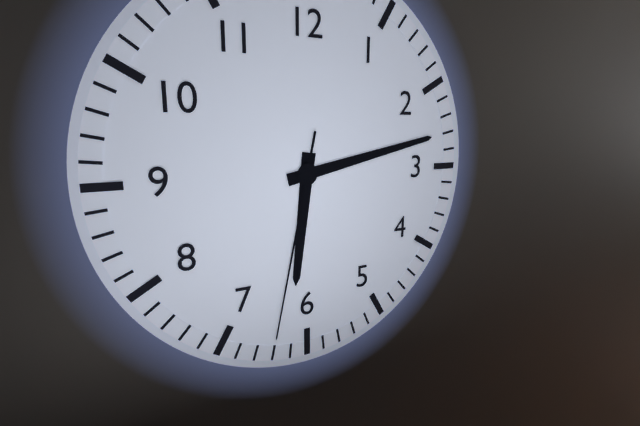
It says 6h13m32s
